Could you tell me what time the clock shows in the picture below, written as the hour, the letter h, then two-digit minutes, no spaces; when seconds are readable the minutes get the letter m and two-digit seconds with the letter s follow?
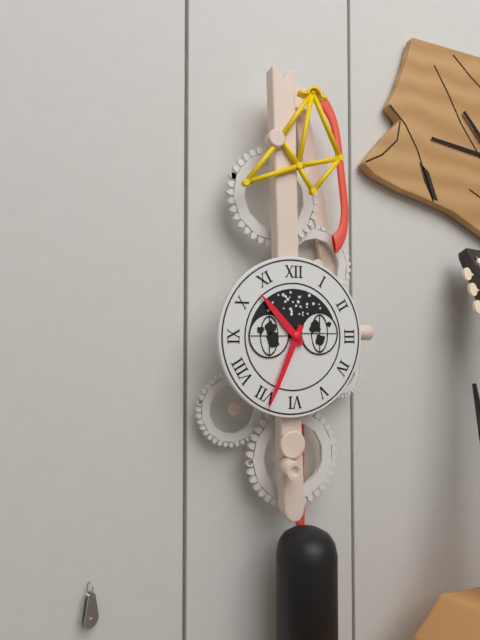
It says 10h34
